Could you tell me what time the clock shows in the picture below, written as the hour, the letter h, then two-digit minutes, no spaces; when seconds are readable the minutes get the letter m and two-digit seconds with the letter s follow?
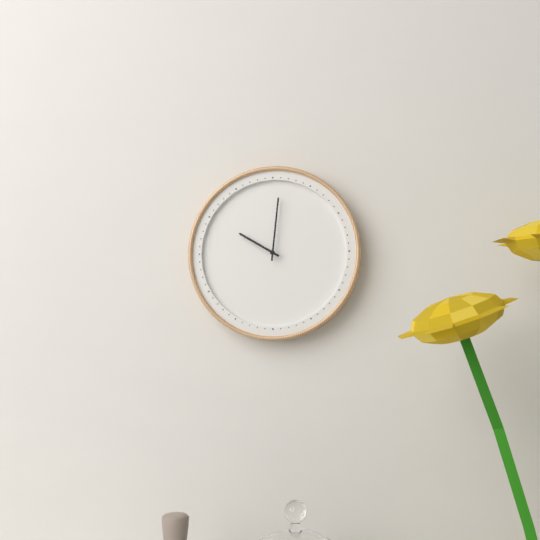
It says 10h01
